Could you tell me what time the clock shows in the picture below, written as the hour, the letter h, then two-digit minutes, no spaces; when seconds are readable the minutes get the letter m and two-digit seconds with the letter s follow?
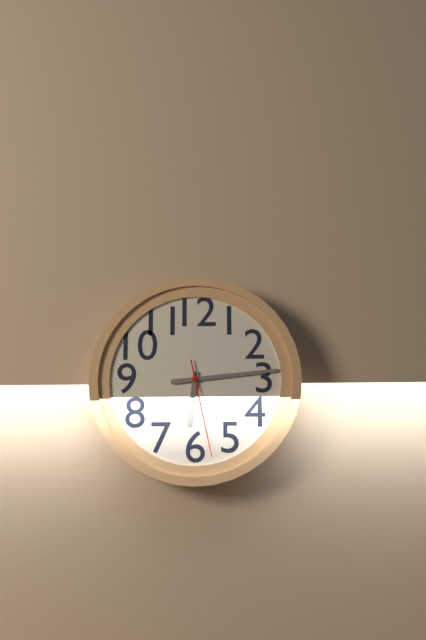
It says 6h14m28s
